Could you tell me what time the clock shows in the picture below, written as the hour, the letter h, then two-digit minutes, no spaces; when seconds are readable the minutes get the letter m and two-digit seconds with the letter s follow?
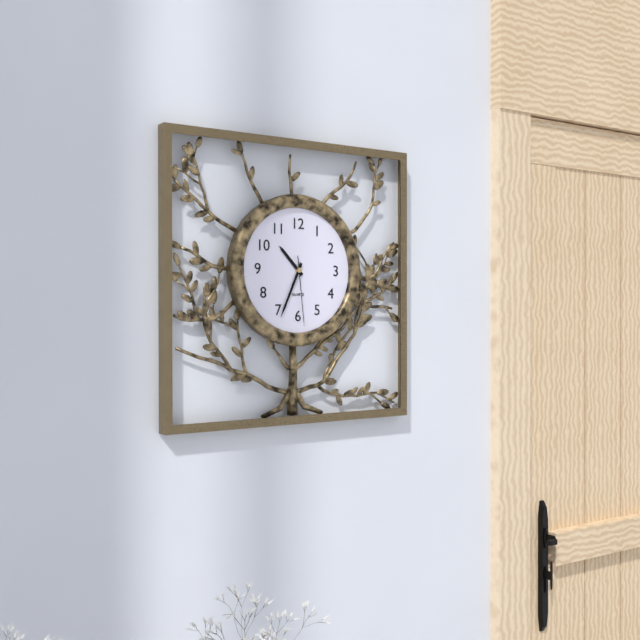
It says 10h34m29s
